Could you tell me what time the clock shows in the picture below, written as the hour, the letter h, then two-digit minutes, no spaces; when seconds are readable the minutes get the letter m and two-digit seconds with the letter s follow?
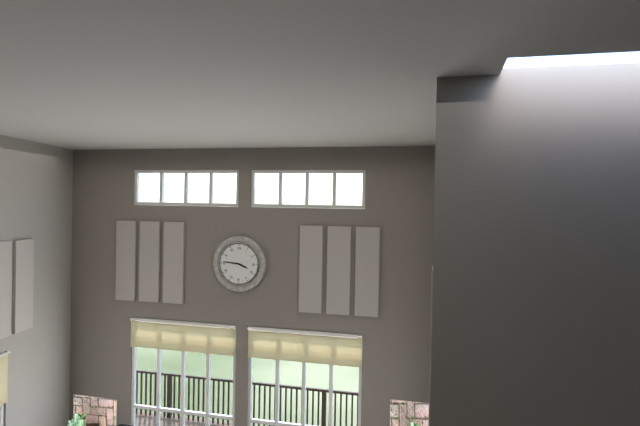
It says 3h46
